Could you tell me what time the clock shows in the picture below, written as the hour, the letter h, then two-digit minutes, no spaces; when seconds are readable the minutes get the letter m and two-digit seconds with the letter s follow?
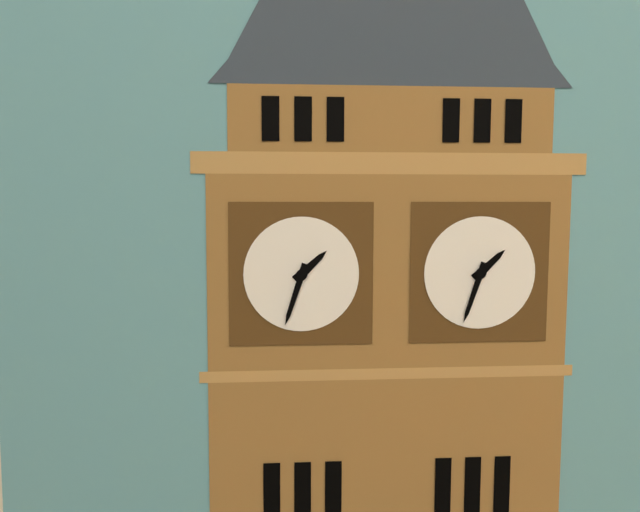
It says 1h33
